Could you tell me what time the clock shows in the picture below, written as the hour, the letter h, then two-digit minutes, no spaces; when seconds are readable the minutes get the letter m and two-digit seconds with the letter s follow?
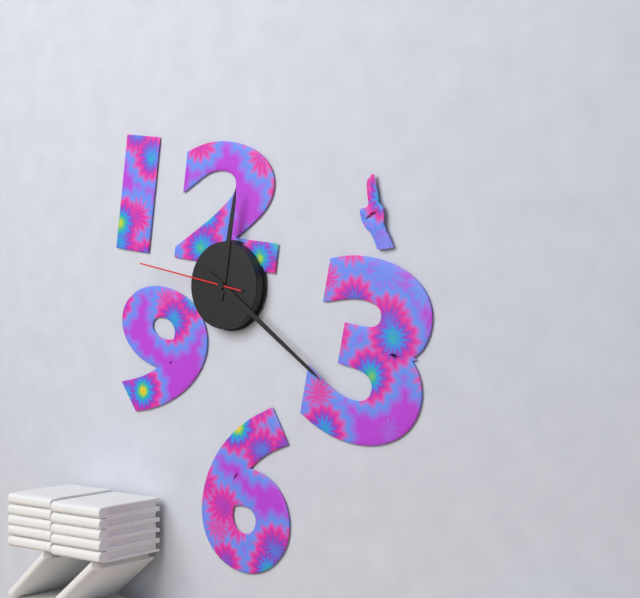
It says 12h21m47s
